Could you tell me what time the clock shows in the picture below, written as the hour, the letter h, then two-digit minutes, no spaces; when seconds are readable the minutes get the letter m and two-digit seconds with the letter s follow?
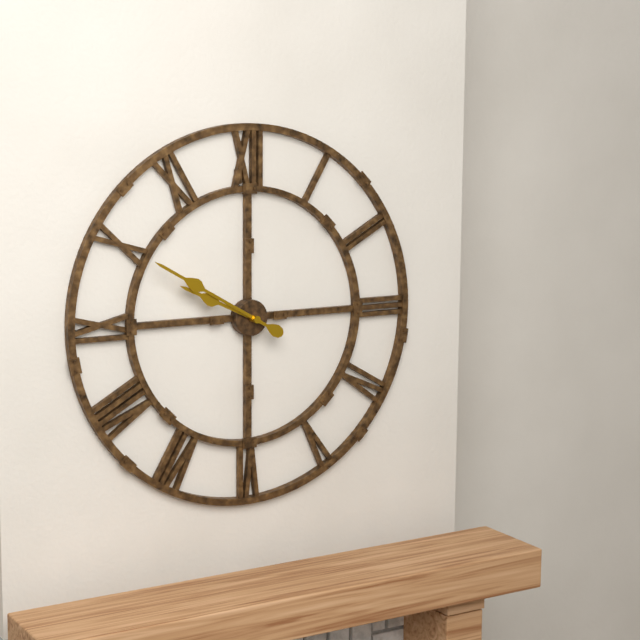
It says 9h50
